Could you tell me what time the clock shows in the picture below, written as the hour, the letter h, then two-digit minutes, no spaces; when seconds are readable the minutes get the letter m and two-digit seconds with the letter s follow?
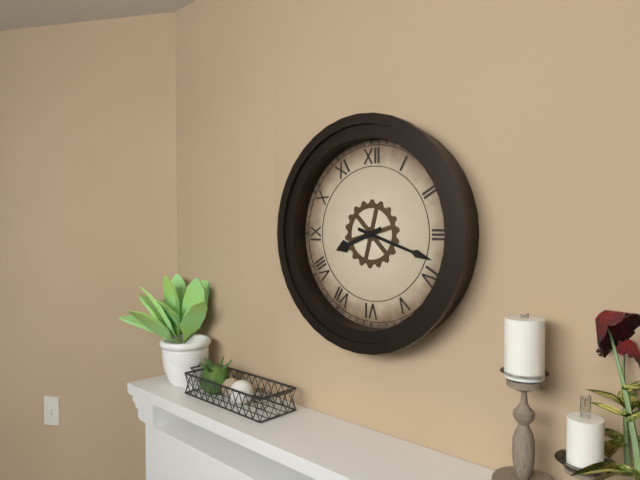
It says 8h18
